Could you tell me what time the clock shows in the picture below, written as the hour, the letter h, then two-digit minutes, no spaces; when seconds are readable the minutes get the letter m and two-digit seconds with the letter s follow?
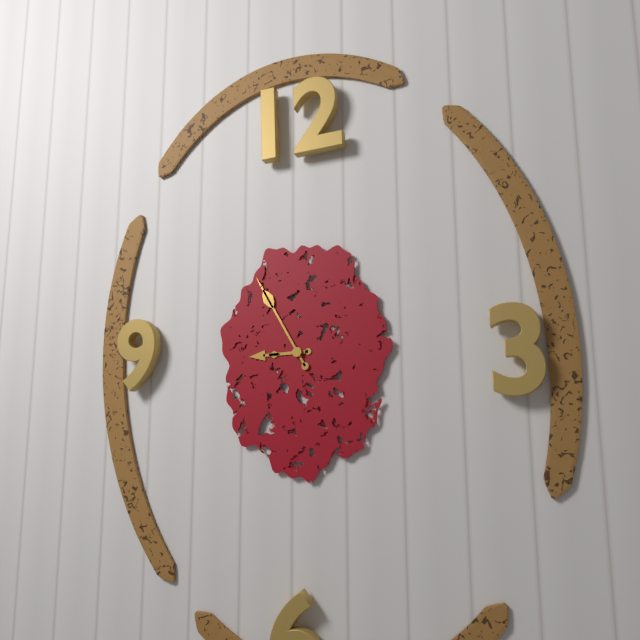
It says 8h55
